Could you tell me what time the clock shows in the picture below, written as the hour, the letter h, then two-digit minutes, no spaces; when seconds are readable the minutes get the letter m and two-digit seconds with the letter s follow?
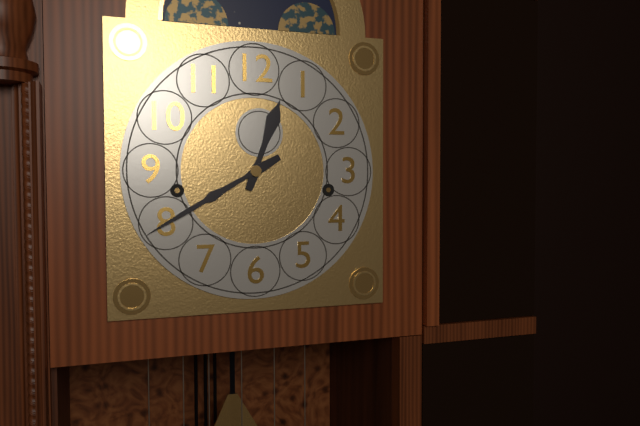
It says 12h40
